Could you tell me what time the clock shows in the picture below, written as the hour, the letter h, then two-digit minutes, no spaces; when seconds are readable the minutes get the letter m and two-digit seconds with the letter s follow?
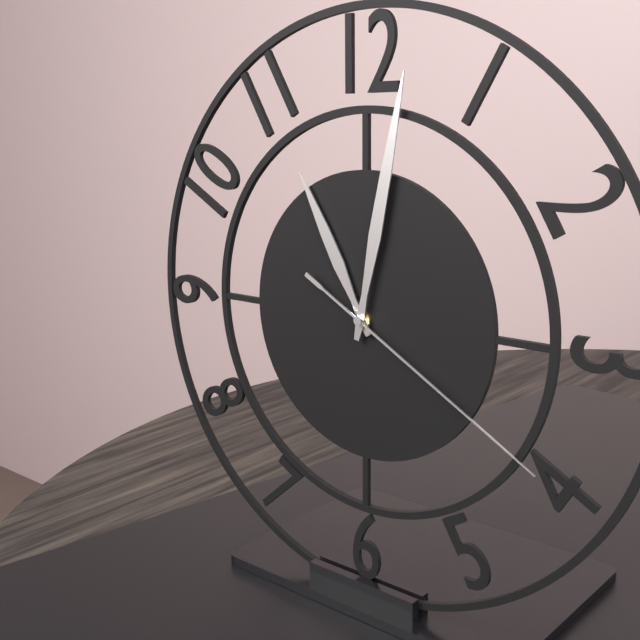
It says 11h02m20s
